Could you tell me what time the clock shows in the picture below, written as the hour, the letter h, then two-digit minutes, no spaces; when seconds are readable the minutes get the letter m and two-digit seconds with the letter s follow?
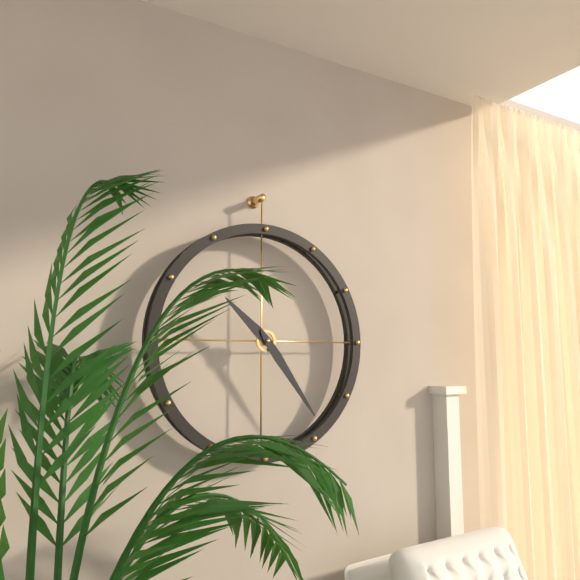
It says 10h24
